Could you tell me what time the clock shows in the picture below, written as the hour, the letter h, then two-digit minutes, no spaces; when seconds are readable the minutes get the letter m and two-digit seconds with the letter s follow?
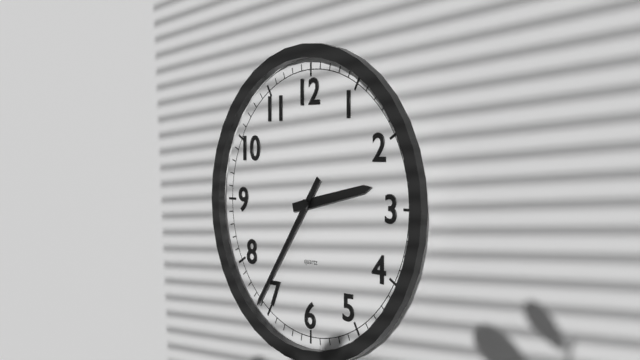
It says 2h36
